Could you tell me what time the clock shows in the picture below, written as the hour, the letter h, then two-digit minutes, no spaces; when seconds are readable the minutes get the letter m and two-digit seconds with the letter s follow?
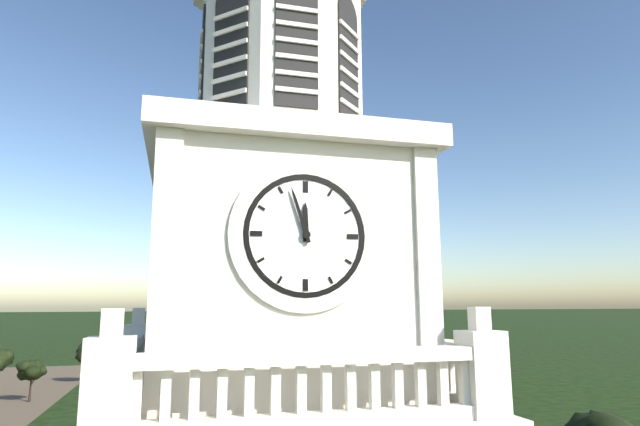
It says 11h57
